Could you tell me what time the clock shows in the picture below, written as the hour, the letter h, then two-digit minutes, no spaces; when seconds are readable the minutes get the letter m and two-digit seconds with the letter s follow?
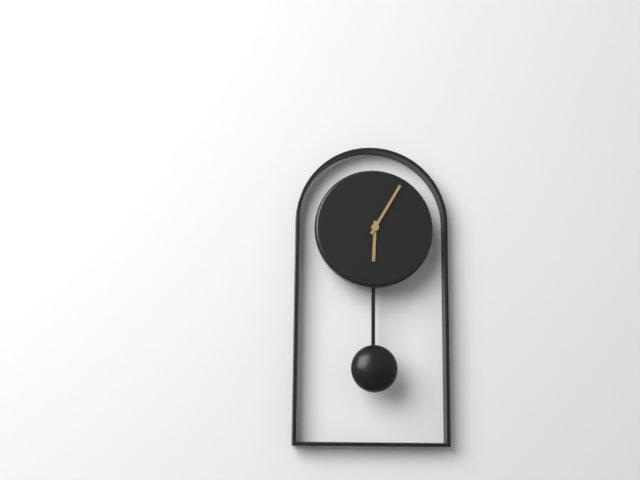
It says 6h05
